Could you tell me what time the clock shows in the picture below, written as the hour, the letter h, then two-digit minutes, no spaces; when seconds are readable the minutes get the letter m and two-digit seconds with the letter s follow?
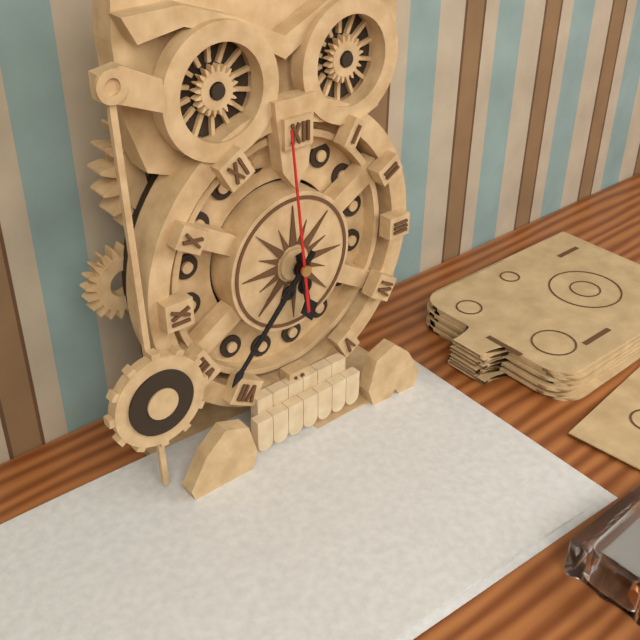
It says 5h37m59s
